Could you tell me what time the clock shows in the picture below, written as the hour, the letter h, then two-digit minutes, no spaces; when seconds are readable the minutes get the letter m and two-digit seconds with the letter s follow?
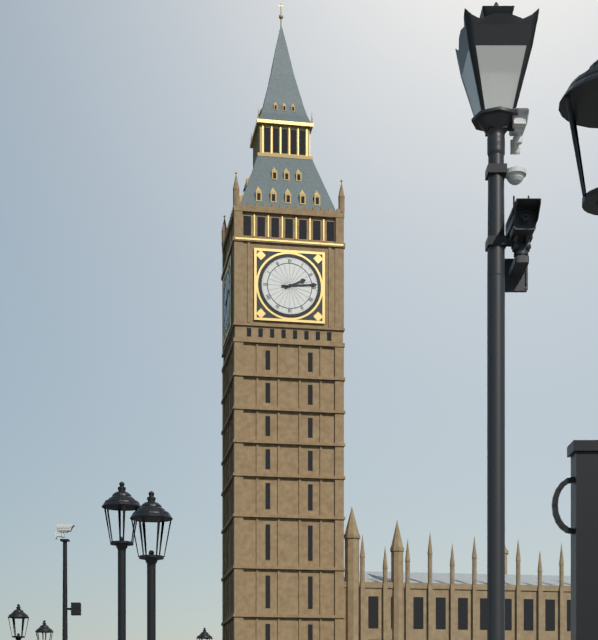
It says 2h14
